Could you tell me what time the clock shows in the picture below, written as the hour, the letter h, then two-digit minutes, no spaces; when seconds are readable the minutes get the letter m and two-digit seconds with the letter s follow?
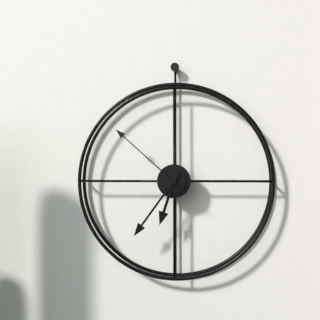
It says 6h36m52s
